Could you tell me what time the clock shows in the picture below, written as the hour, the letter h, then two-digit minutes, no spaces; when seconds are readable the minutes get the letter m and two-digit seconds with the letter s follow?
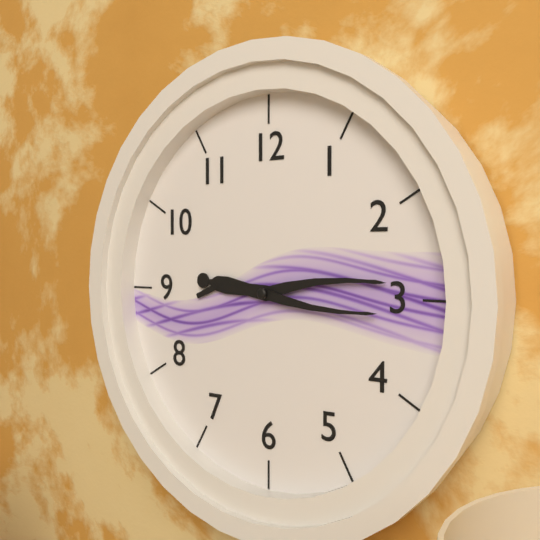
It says 9h14m16s
